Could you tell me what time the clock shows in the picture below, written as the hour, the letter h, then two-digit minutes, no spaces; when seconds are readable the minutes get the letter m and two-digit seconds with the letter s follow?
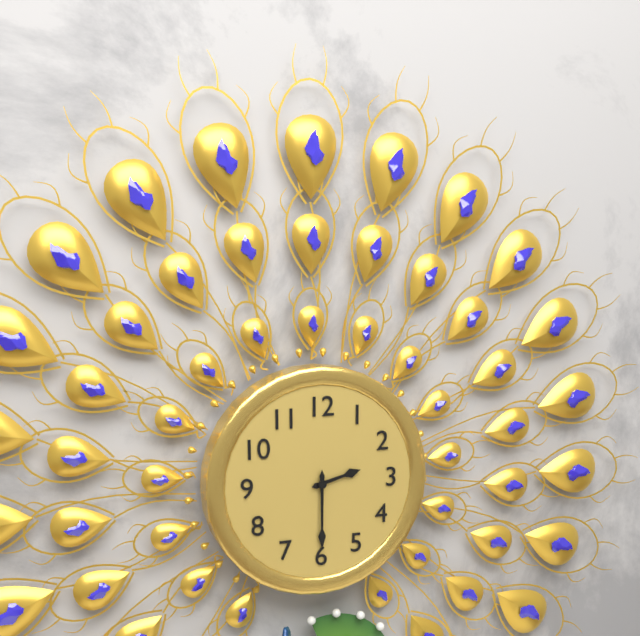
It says 2h30
